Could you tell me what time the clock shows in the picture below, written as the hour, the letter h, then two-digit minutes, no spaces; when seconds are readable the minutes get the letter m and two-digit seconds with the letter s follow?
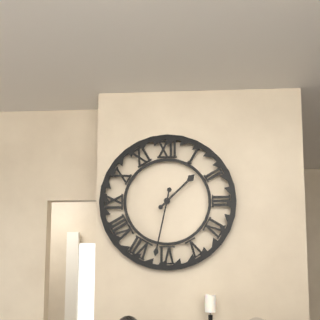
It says 1h32
